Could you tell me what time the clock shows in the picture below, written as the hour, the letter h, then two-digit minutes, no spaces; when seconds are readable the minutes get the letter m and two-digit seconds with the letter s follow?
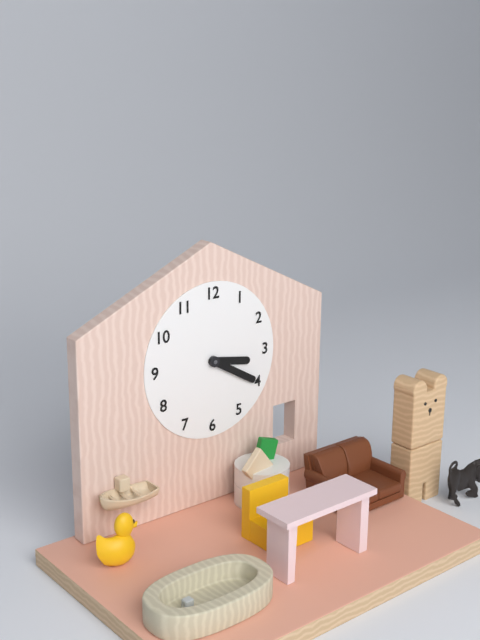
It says 3h20
